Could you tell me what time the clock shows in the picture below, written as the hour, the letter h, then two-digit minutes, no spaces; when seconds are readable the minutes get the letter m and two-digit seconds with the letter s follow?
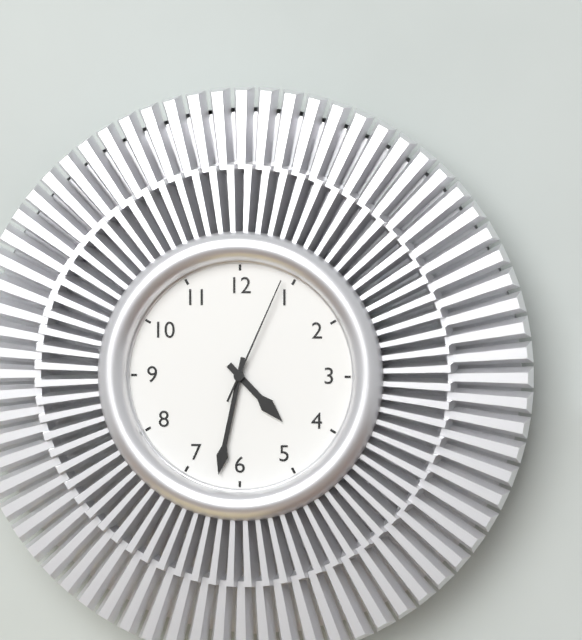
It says 4h32m04s
